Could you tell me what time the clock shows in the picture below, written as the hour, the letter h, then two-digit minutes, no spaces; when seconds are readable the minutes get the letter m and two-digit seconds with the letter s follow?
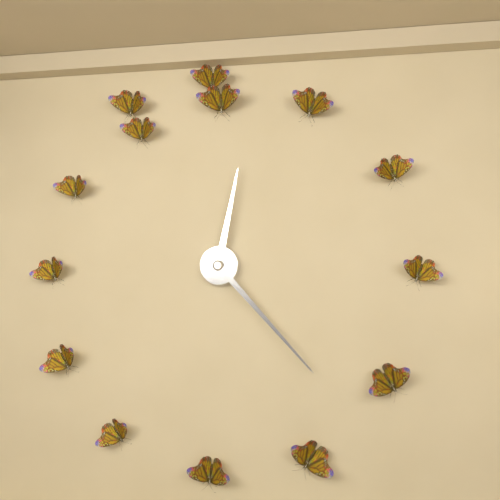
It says 12h23
